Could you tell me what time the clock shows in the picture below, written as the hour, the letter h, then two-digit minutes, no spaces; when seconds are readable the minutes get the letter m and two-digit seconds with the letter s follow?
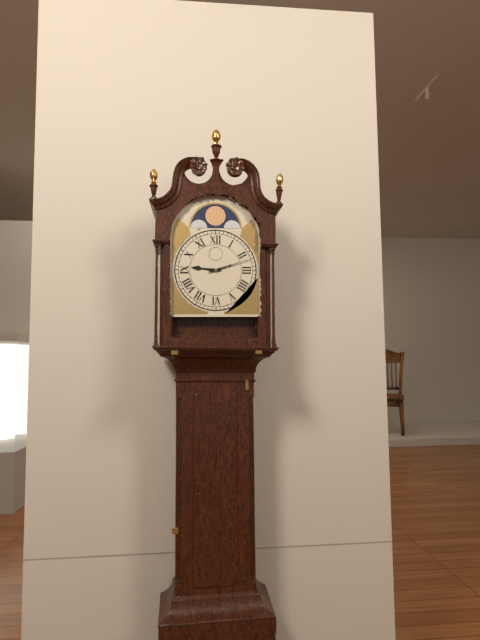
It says 9h12
